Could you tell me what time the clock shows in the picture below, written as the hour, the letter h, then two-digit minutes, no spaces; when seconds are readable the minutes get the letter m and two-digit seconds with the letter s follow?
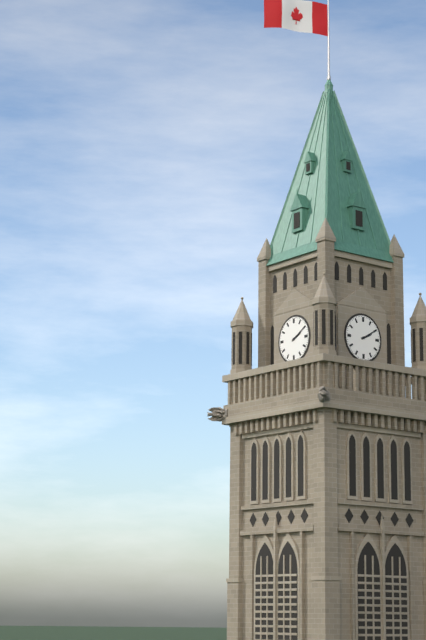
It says 2h10
